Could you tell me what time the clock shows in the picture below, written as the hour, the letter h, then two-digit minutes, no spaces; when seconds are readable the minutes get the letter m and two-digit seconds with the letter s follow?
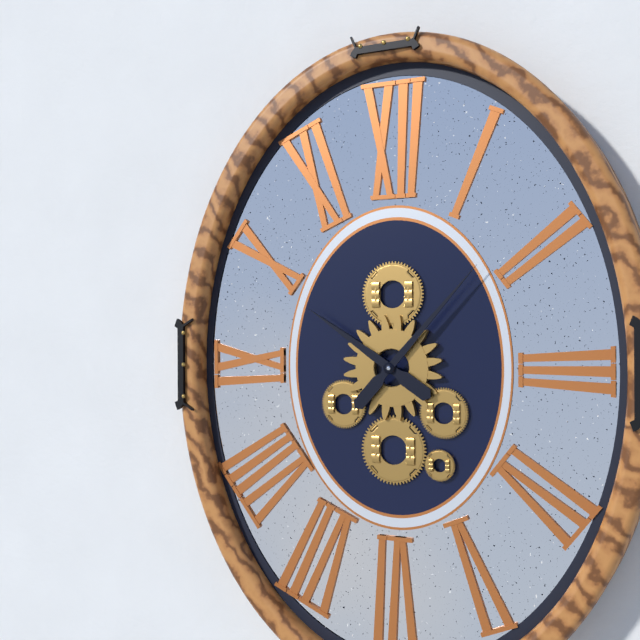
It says 10h07
